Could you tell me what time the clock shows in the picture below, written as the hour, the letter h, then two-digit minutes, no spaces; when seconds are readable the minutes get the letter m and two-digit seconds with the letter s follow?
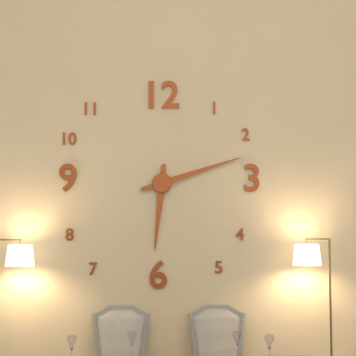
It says 6h12
